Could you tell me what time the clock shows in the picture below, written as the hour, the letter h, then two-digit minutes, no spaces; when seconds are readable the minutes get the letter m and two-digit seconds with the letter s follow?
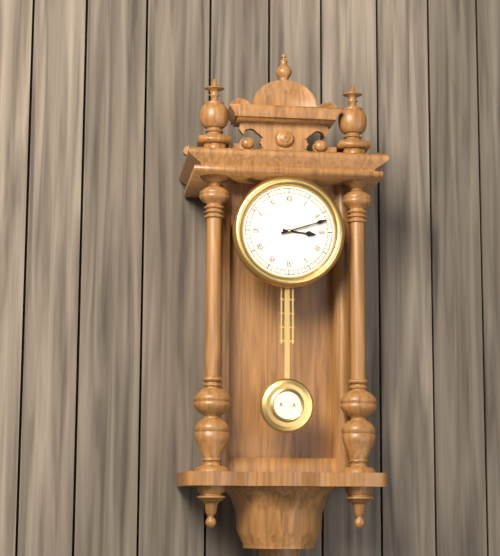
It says 3h12
